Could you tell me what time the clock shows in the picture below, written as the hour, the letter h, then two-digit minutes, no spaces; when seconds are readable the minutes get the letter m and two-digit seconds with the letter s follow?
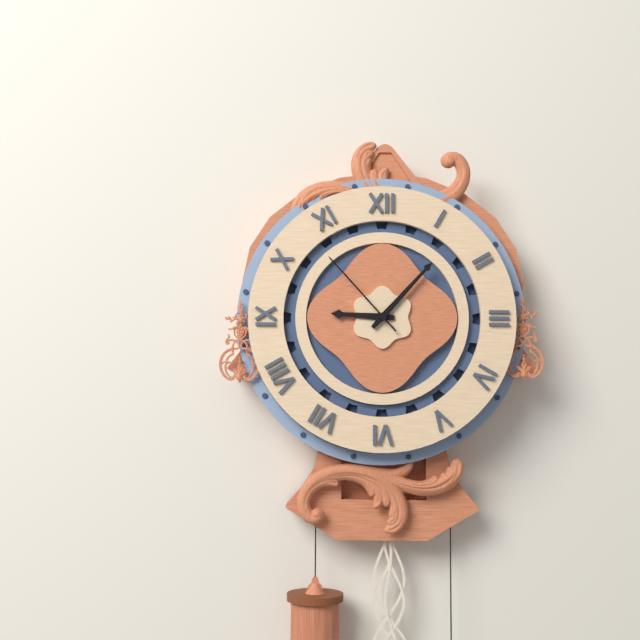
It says 9h07m53s
